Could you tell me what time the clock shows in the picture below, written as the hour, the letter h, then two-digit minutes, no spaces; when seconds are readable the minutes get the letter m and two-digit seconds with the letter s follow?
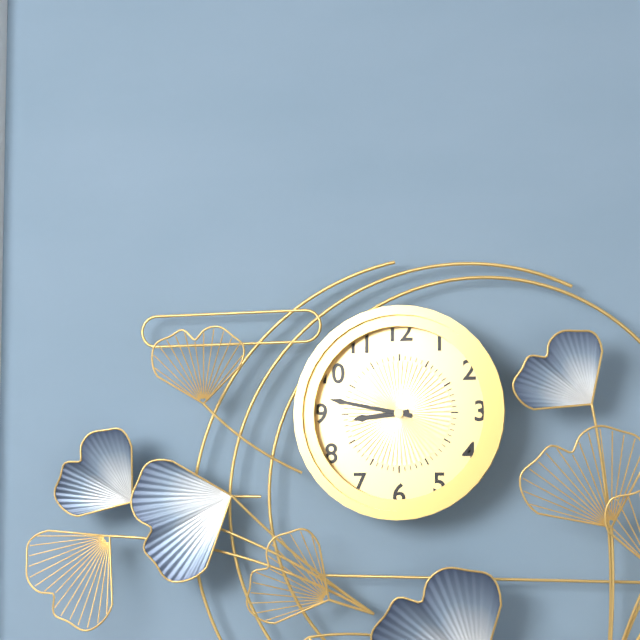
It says 8h47
